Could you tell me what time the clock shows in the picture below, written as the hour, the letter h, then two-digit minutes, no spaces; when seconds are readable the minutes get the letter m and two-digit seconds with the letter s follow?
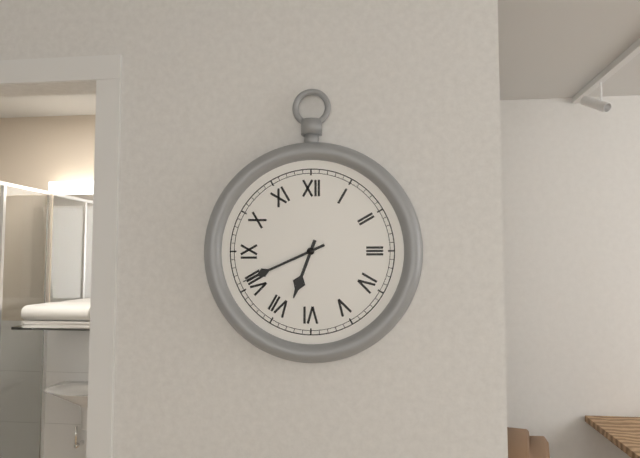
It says 6h41
